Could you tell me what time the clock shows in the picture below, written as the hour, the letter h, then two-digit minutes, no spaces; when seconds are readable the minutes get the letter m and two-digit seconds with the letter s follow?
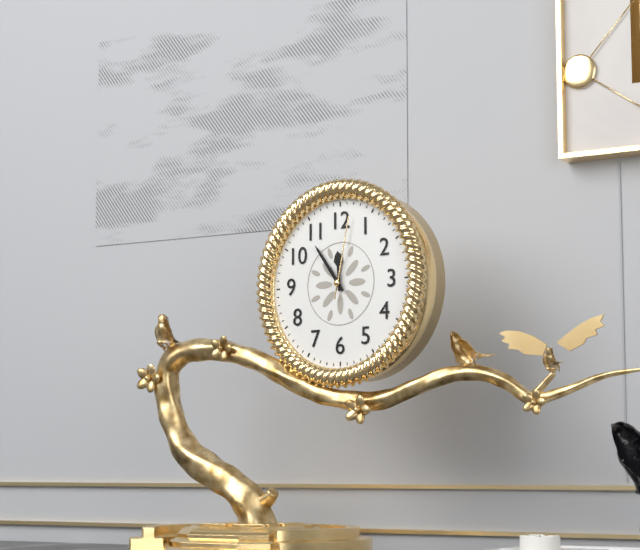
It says 11h54m02s
